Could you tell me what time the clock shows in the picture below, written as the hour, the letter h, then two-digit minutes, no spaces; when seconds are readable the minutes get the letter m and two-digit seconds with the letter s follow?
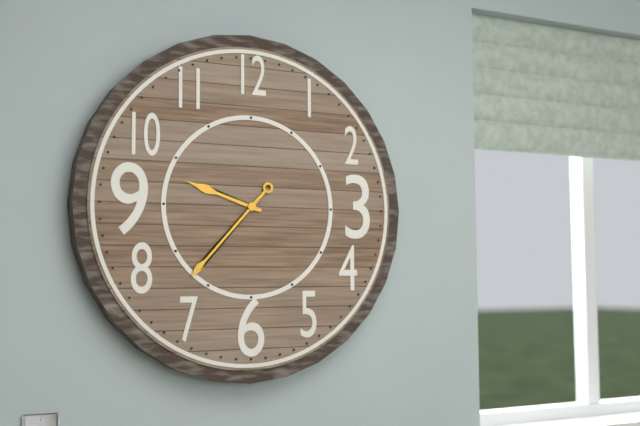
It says 9h37
